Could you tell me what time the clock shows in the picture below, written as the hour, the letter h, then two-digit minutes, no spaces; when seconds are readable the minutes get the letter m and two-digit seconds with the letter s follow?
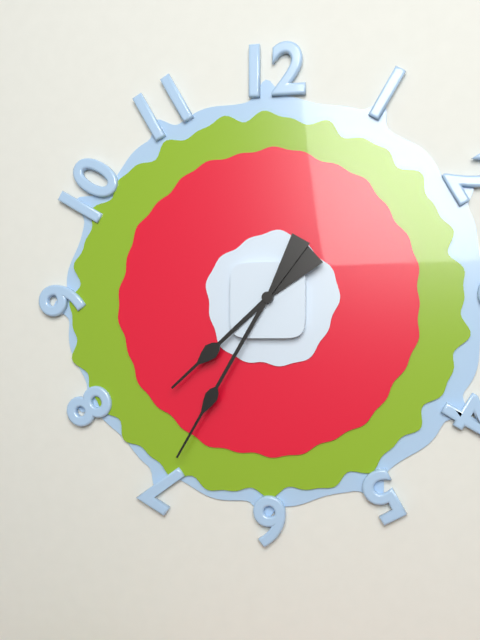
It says 7h35
